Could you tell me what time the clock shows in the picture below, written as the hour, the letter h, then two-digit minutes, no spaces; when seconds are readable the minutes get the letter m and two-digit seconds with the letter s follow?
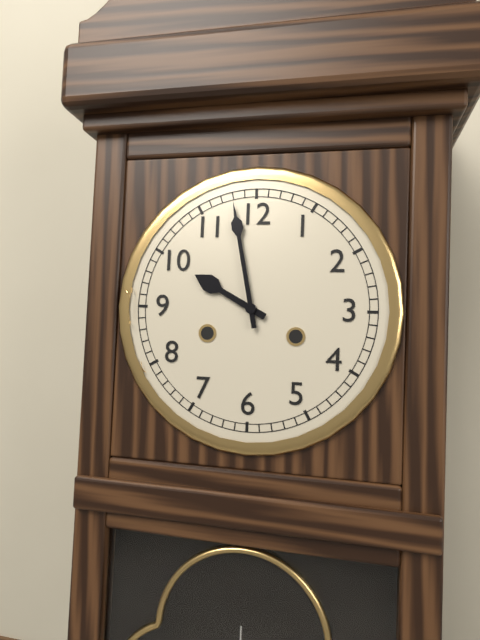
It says 9h58
